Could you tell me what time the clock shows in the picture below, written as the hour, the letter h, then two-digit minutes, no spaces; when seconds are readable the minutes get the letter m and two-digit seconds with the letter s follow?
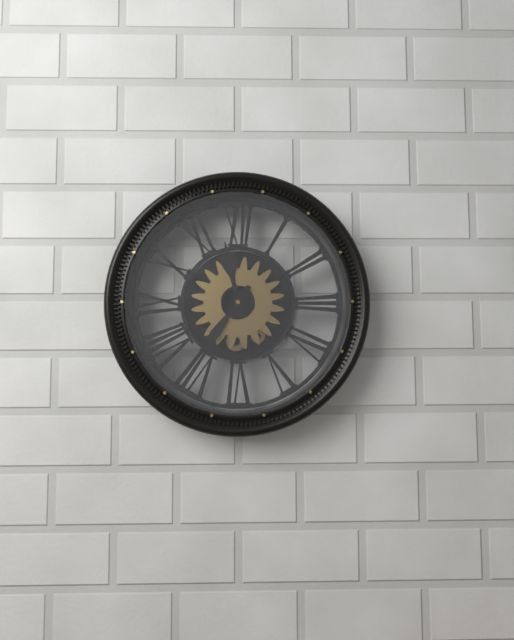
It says 11h36
